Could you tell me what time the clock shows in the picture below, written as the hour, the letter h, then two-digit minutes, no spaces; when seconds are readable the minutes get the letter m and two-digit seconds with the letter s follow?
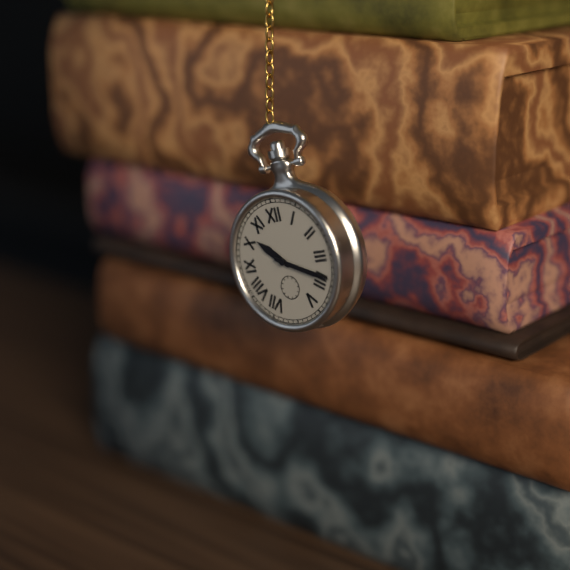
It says 10h19
